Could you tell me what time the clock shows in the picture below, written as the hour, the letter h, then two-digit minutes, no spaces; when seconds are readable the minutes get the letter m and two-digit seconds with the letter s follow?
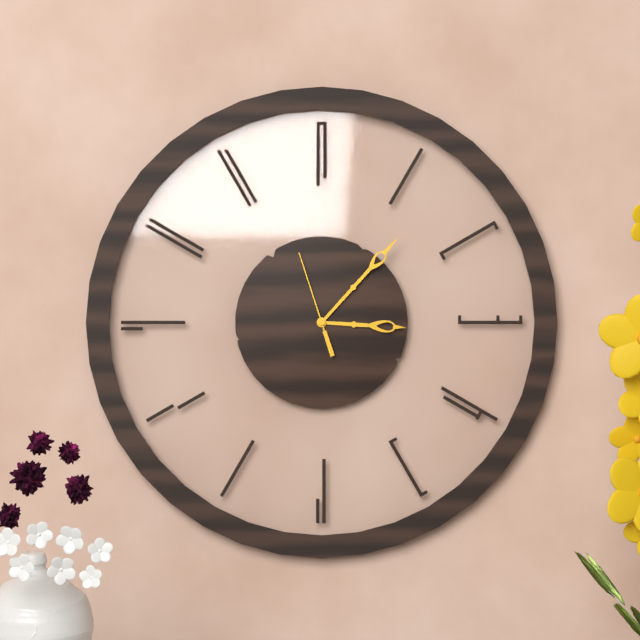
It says 3h07m57s
